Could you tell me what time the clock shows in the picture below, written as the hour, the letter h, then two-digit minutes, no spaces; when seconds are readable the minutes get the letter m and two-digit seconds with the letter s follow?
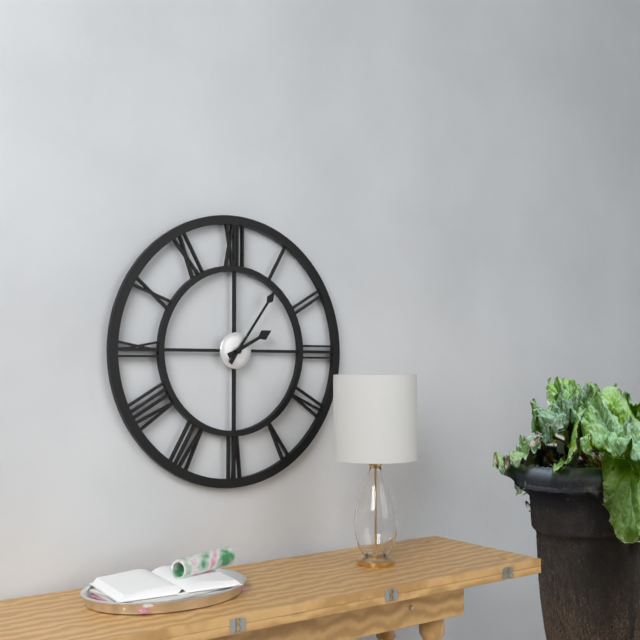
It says 2h06
